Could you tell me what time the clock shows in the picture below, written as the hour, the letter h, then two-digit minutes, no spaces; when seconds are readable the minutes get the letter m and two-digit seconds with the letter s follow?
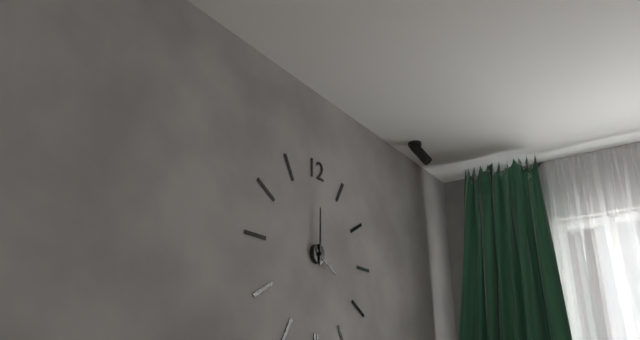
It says 4h00
